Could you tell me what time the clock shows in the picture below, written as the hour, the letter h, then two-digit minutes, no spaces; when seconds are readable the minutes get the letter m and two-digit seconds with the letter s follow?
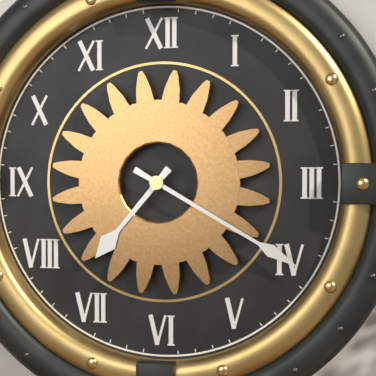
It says 7h20
